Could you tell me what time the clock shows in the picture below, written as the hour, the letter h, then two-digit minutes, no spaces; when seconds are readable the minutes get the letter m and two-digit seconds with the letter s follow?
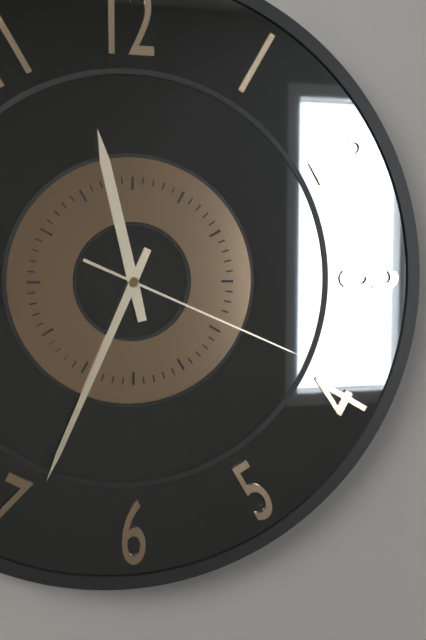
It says 11h34m19s
